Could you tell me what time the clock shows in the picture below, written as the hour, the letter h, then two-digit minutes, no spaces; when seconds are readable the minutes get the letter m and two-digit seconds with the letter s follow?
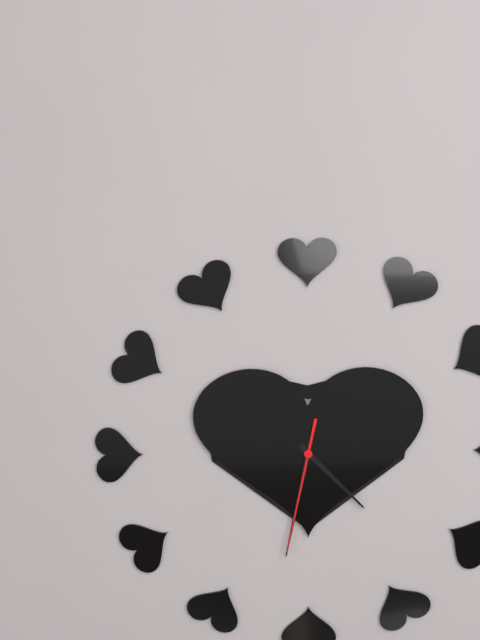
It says 4h32m32s
